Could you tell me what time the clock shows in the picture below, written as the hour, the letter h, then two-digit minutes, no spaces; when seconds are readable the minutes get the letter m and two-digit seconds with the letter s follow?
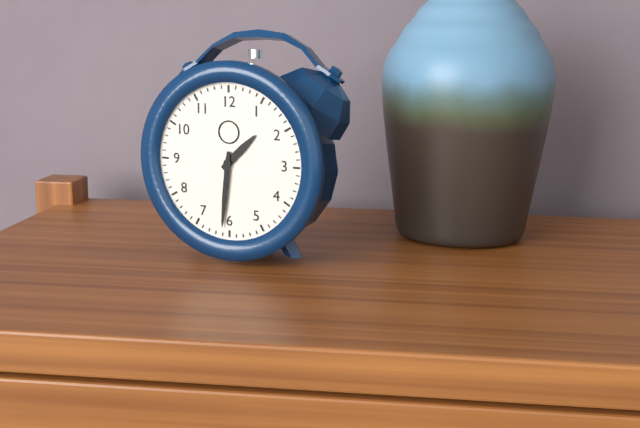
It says 1h31
